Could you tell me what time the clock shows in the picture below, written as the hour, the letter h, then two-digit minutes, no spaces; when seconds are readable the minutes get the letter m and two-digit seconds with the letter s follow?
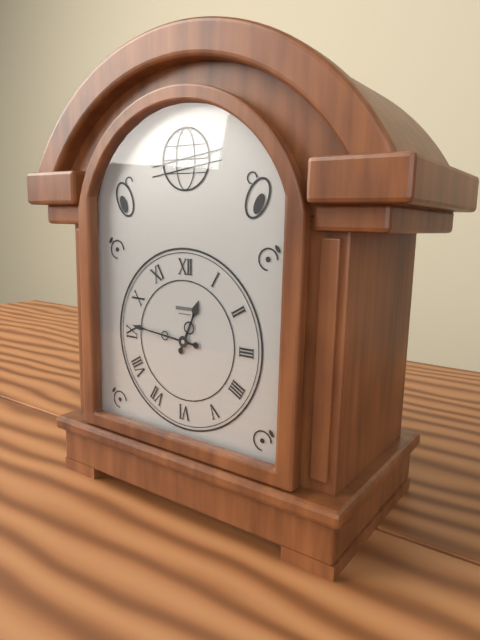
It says 12h46
